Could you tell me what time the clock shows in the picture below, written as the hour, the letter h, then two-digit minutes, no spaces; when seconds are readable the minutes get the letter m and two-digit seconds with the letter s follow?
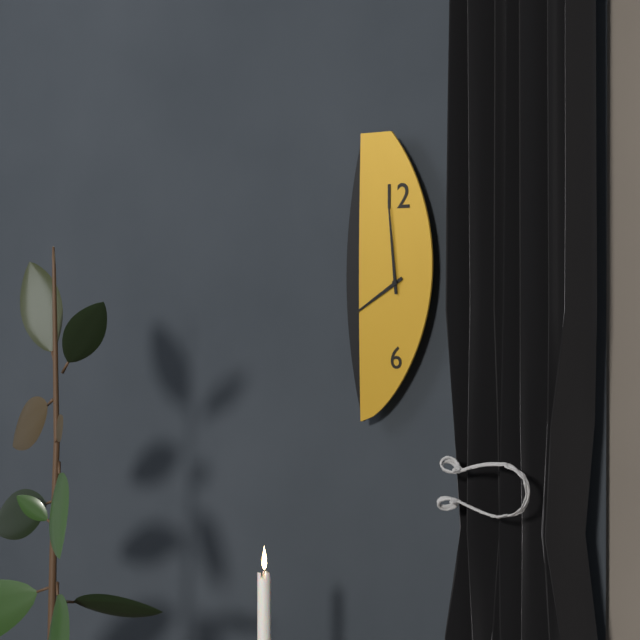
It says 7h59
